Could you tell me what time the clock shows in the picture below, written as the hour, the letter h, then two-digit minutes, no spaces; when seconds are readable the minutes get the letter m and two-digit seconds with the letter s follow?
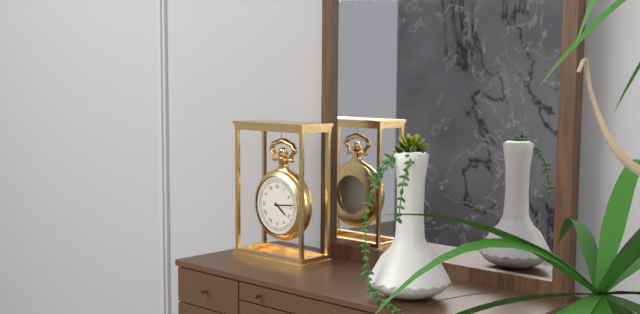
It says 4h14
